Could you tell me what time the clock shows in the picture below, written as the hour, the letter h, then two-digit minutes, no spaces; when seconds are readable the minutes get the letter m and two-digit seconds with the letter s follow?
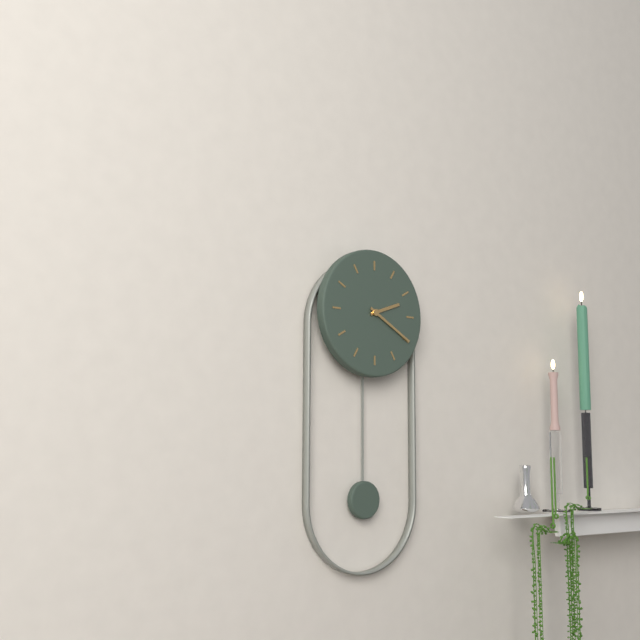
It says 2h20
